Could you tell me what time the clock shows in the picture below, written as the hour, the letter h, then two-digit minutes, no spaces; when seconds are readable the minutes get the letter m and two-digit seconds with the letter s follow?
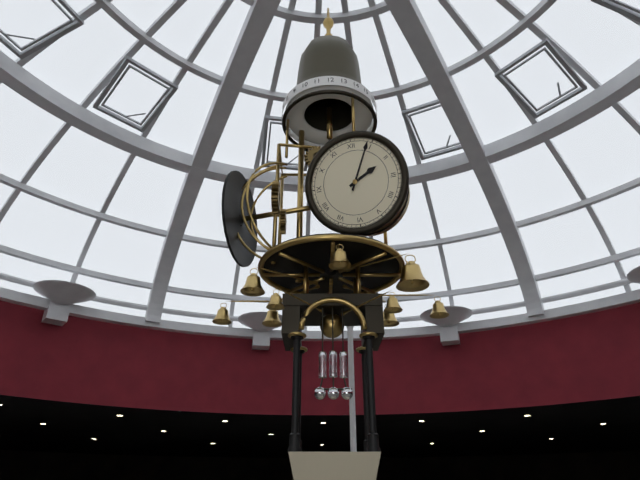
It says 2h04
